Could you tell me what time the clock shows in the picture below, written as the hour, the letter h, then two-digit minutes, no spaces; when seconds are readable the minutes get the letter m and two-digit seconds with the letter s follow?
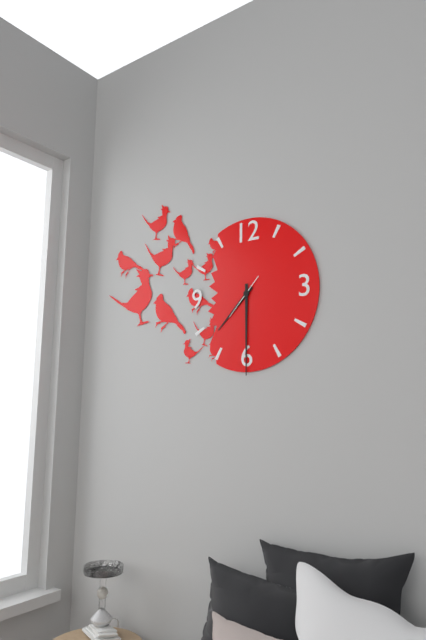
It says 7h30
